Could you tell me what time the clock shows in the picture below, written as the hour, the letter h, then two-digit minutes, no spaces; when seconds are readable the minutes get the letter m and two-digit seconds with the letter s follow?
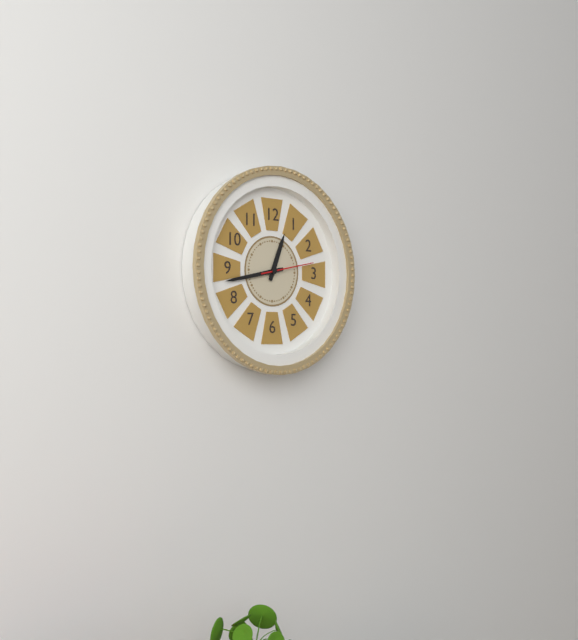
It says 12h43
